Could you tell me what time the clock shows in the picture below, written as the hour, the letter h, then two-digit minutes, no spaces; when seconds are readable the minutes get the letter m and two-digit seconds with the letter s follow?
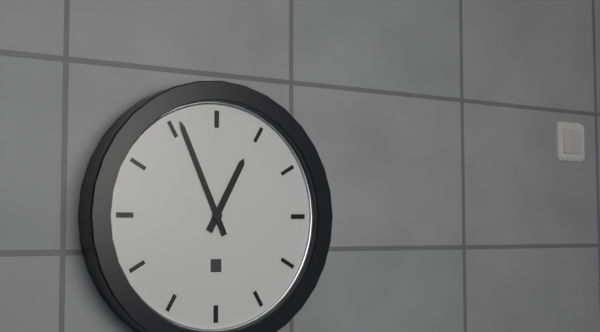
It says 12h56
